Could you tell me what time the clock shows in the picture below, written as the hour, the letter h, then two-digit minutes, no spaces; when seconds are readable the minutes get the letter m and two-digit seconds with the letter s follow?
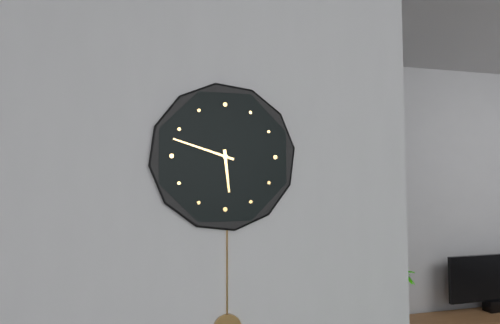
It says 5h48
